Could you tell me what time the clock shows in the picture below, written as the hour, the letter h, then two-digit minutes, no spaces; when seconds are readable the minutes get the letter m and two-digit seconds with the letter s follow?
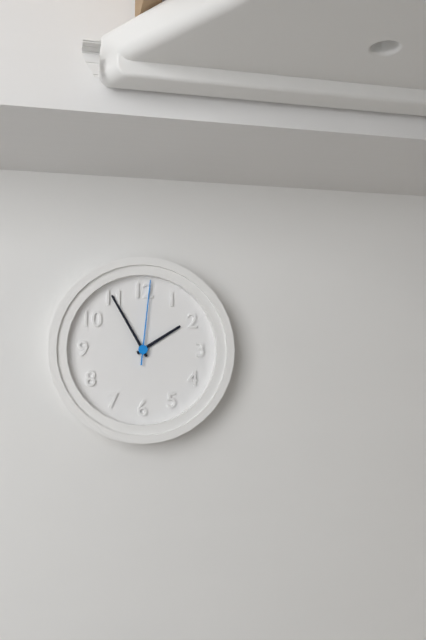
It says 1h55m01s
